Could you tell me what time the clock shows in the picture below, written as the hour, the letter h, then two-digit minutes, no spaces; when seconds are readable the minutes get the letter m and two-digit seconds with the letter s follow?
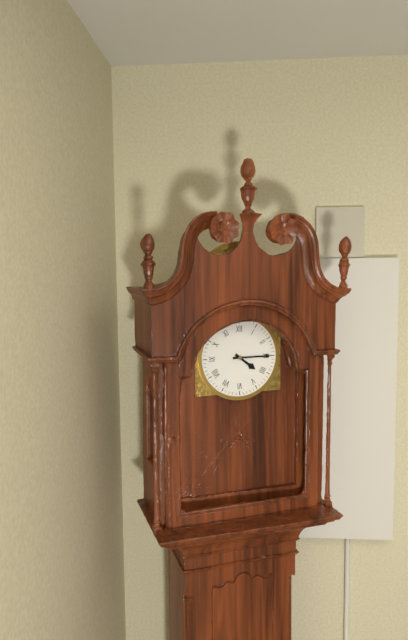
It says 4h15
